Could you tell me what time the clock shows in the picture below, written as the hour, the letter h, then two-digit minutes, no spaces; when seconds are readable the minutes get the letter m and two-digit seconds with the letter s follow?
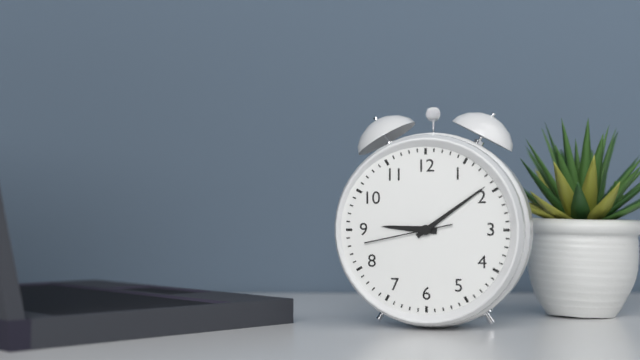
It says 9h09m43s
